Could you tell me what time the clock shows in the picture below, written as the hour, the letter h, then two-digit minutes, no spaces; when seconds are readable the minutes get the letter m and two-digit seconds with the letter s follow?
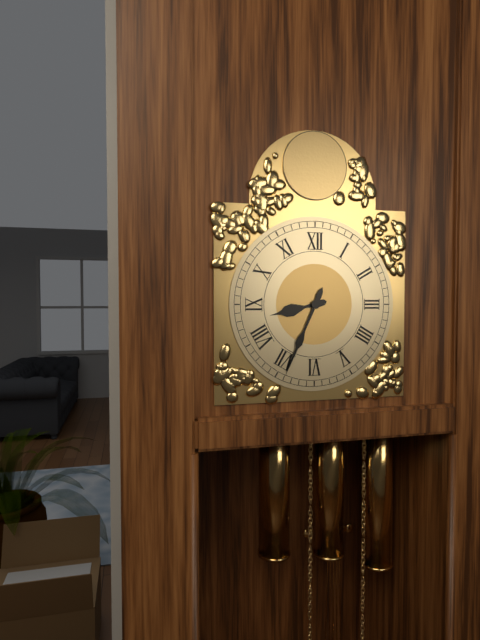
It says 8h34
